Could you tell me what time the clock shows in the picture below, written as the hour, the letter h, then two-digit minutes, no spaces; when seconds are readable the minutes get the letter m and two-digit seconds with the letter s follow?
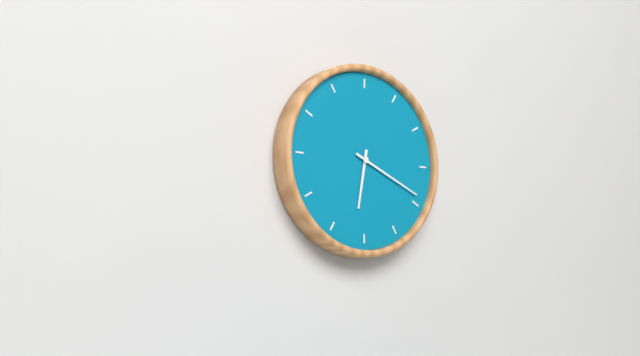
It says 6h19
